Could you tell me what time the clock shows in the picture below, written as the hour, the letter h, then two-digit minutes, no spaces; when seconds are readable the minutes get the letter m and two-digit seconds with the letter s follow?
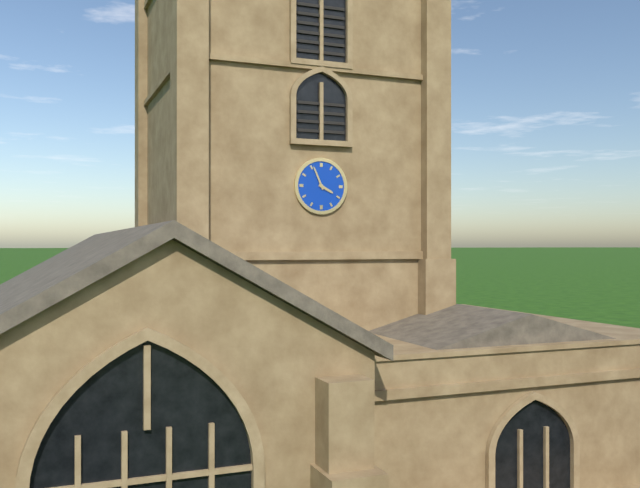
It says 3h56
